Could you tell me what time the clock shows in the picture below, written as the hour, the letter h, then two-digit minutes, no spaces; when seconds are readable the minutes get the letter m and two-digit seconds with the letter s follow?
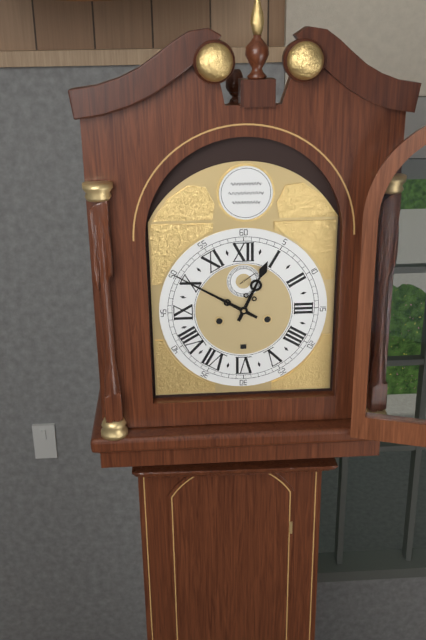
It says 12h50
